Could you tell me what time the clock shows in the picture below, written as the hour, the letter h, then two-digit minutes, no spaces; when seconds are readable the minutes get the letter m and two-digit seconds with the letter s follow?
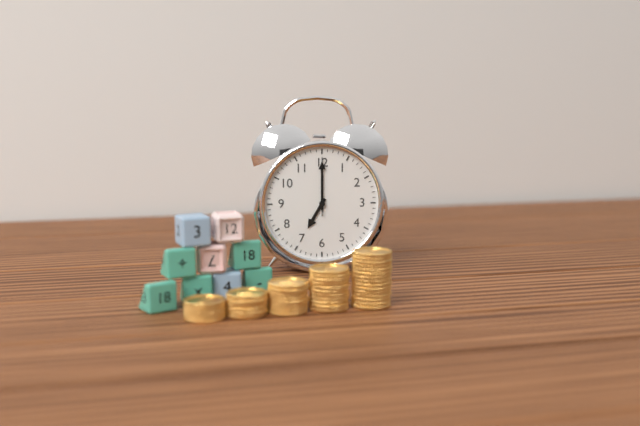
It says 7h00m00s
